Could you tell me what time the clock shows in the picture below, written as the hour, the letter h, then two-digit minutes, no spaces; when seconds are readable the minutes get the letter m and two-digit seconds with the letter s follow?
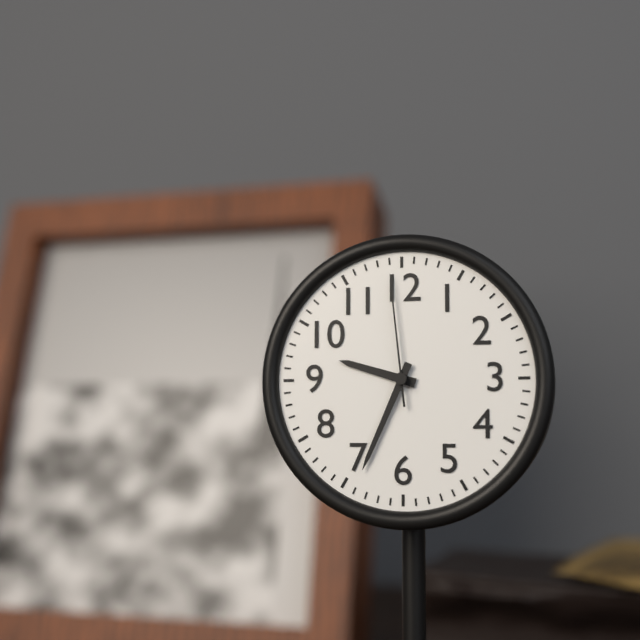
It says 9h34m59s
